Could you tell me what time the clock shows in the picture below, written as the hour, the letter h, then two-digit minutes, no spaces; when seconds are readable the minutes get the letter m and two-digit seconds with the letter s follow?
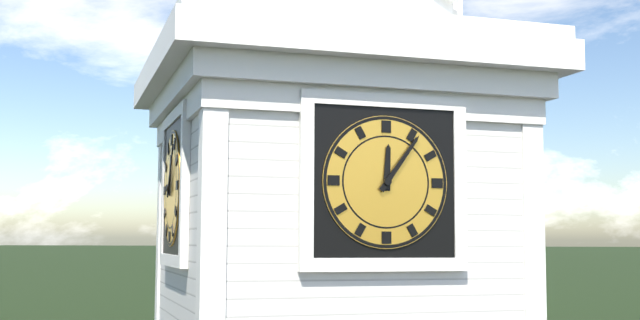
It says 12h06
